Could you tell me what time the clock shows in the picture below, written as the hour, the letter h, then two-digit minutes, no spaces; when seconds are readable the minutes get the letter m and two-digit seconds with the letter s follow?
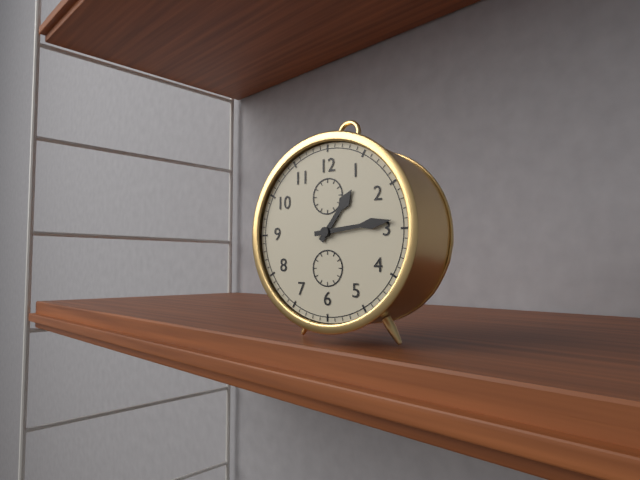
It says 1h14
